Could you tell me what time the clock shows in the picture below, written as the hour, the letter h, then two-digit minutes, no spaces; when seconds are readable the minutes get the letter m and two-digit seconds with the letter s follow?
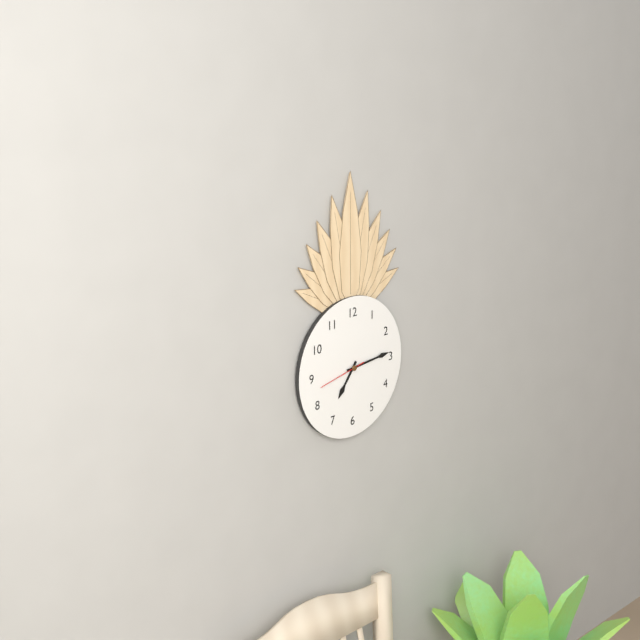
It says 7h14
